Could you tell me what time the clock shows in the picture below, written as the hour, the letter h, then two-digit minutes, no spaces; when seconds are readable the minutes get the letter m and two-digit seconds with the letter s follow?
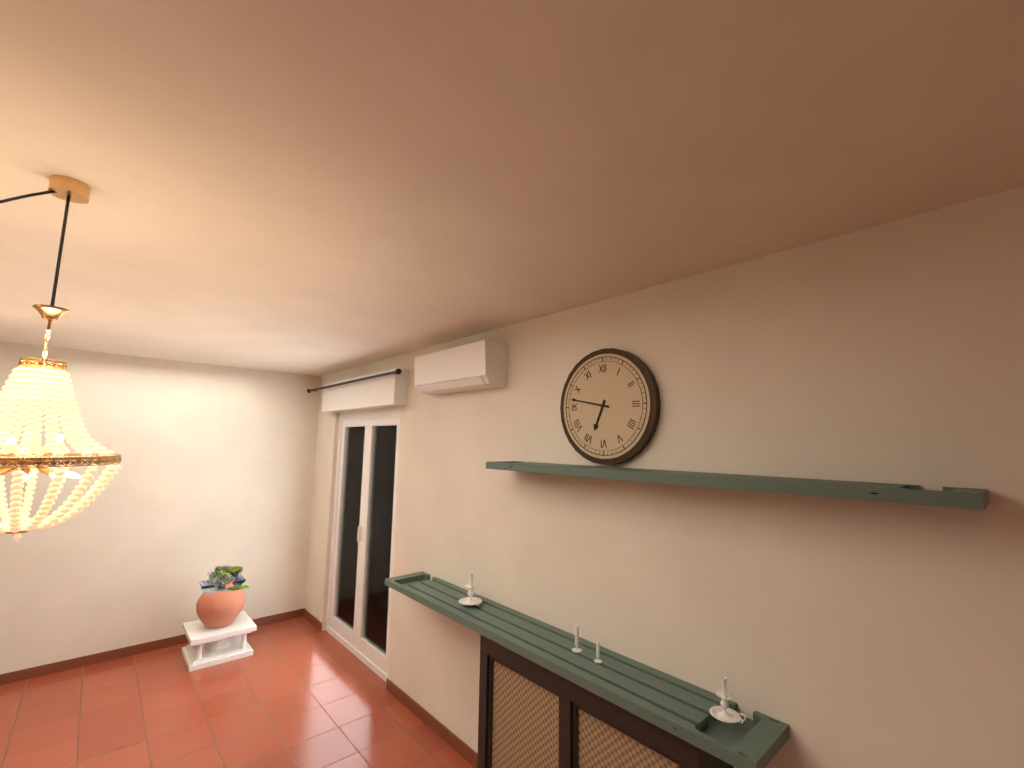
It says 6h47
